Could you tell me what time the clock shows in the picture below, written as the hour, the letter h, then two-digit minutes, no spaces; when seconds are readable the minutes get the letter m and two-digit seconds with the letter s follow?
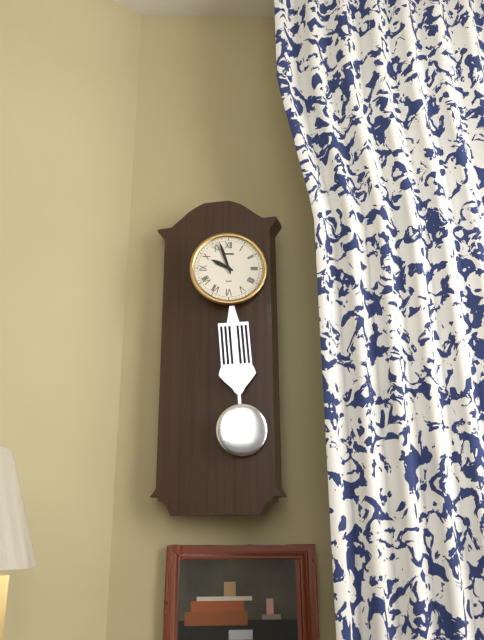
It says 9h57
